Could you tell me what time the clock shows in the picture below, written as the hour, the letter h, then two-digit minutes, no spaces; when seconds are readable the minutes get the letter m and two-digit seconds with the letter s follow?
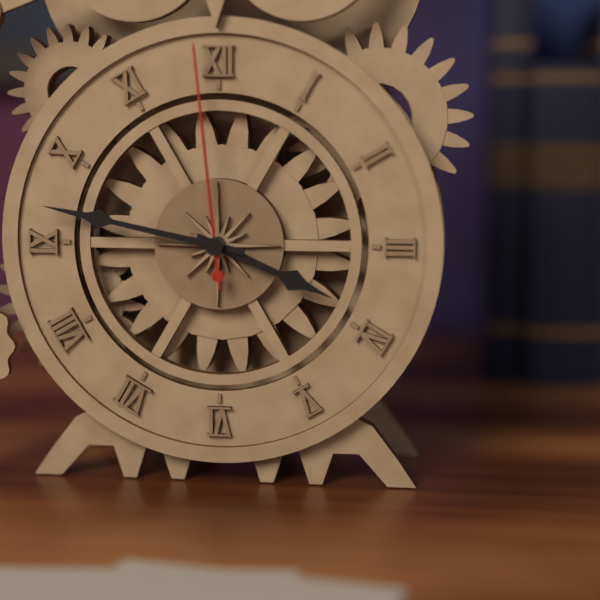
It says 3h47m59s
